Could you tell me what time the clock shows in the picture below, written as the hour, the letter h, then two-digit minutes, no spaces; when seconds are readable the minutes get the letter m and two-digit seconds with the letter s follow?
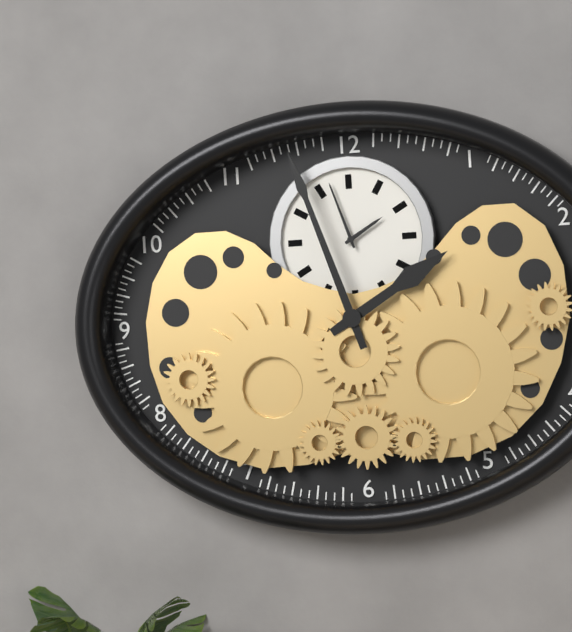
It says 1h57
